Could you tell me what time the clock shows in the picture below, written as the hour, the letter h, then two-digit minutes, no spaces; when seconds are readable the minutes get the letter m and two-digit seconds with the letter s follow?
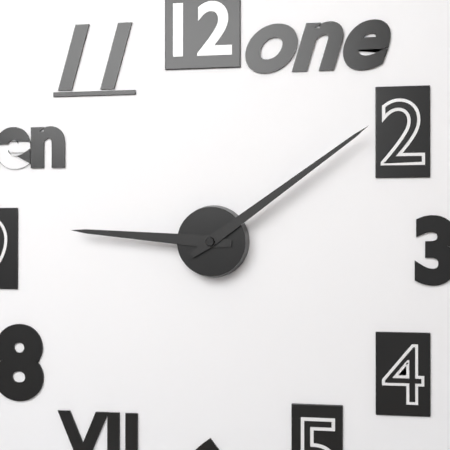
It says 9h09
